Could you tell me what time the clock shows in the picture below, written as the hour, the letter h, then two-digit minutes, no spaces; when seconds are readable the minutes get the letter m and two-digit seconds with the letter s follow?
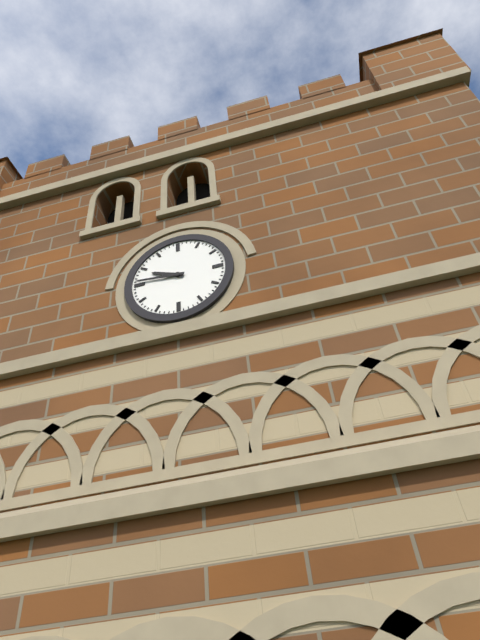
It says 9h46
